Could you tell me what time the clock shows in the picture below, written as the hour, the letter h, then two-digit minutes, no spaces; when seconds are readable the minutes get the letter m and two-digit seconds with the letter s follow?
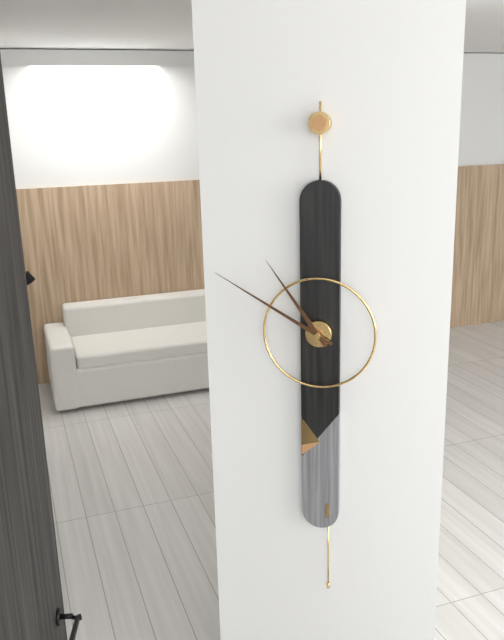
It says 10h50
